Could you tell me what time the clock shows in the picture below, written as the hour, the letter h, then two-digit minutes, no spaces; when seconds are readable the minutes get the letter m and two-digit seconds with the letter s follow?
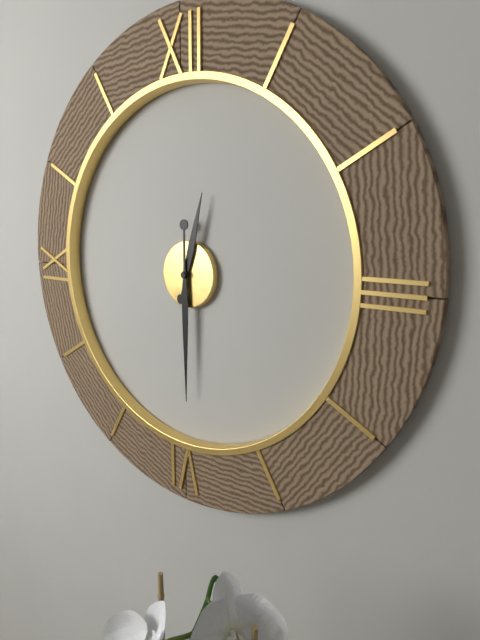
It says 12h30
